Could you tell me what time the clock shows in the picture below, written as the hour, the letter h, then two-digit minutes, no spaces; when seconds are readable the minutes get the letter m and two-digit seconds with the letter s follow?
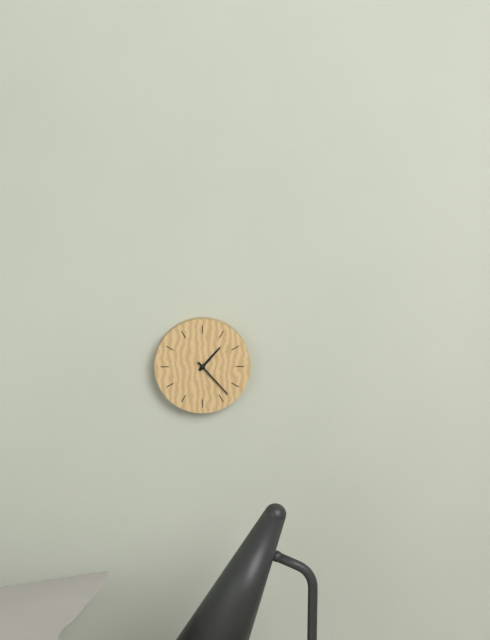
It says 1h23
